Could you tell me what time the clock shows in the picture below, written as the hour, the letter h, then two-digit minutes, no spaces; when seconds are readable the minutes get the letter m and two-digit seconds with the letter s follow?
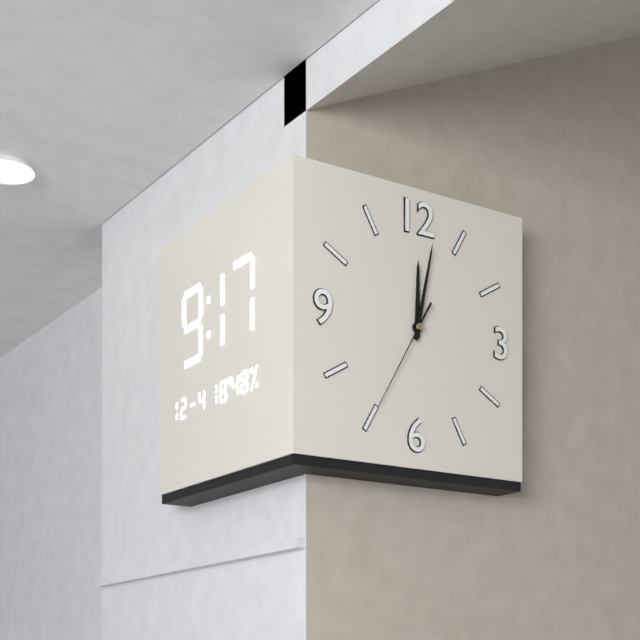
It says 12h02m35s
